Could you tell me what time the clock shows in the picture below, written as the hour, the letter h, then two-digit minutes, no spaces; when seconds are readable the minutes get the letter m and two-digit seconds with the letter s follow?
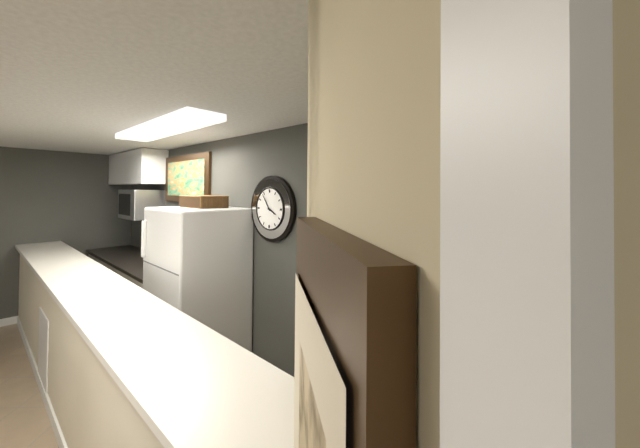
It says 3h54
